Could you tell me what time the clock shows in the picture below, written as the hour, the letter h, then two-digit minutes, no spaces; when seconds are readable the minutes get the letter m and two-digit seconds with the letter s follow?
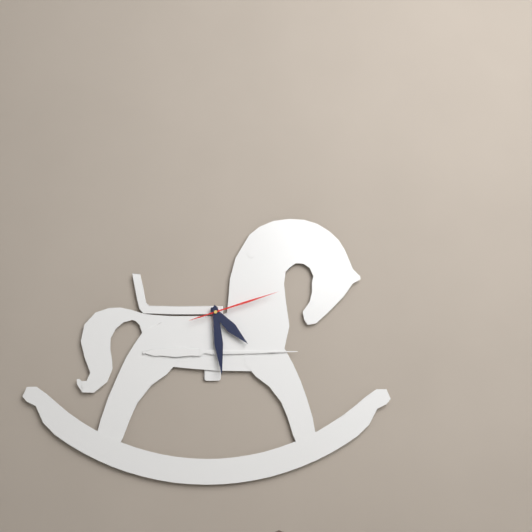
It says 4h29m12s
